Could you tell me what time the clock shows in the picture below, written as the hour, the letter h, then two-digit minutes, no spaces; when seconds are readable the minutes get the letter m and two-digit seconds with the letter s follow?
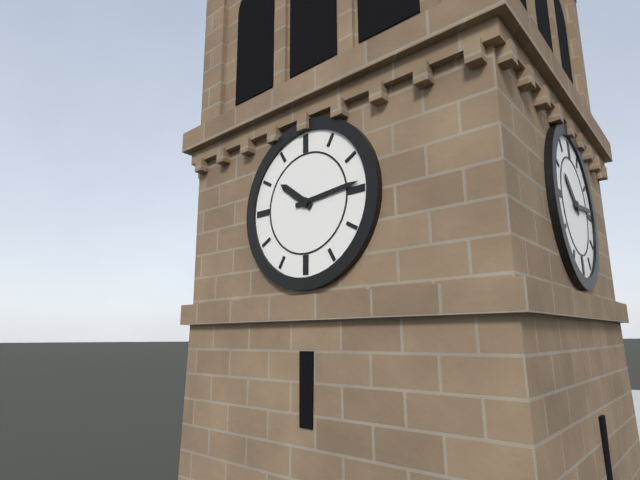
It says 10h14
